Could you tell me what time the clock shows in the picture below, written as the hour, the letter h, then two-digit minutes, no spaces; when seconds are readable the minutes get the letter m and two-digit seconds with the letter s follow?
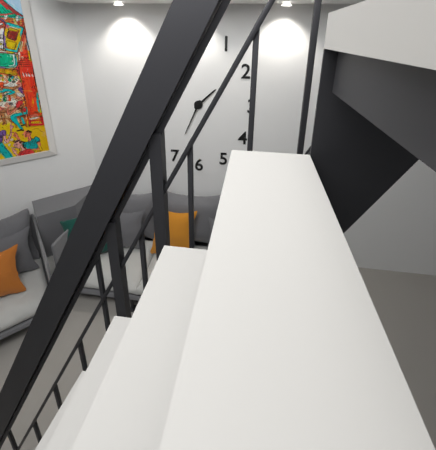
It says 1h34
